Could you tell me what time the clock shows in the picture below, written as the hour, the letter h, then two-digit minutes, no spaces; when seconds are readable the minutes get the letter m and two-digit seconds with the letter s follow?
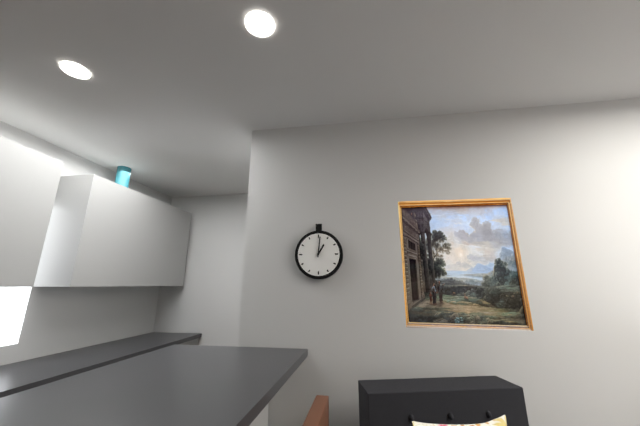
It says 1h01
